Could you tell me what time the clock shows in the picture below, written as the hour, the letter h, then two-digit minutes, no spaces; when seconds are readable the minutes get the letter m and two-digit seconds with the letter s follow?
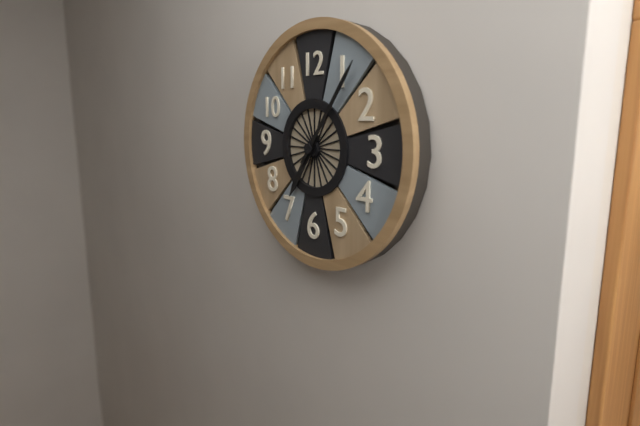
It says 7h06
